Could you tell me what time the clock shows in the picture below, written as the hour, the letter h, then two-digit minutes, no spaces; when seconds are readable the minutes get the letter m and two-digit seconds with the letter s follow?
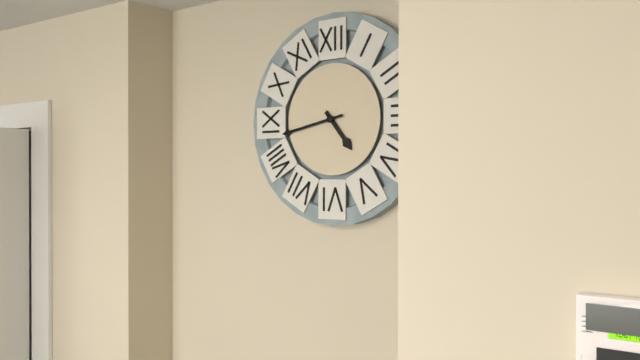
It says 4h43
